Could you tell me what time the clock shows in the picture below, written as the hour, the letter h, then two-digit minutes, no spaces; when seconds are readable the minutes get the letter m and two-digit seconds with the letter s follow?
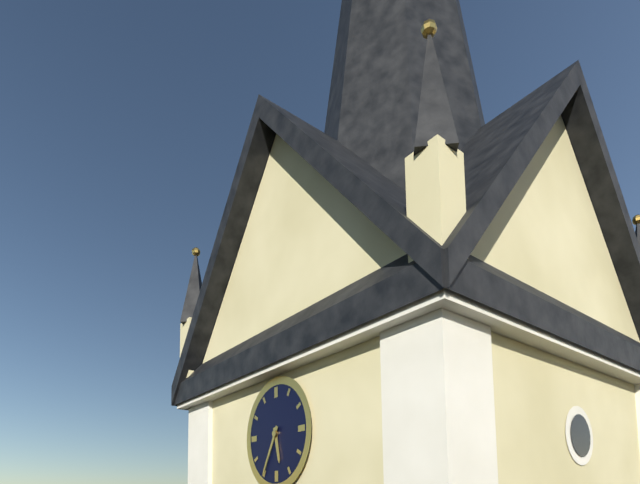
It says 5h35
